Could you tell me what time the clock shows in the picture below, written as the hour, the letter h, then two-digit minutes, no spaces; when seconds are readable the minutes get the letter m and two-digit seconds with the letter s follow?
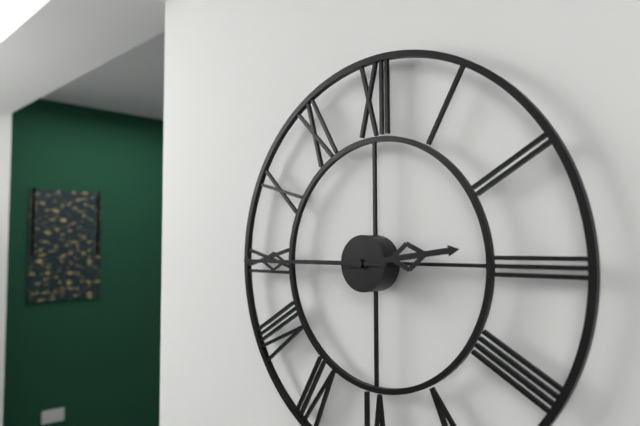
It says 2h45
